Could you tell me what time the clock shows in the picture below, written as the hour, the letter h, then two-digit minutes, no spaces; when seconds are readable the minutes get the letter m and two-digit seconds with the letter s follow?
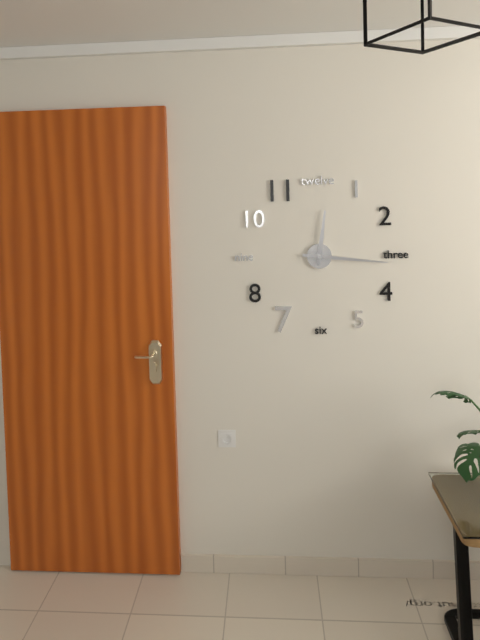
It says 12h16
